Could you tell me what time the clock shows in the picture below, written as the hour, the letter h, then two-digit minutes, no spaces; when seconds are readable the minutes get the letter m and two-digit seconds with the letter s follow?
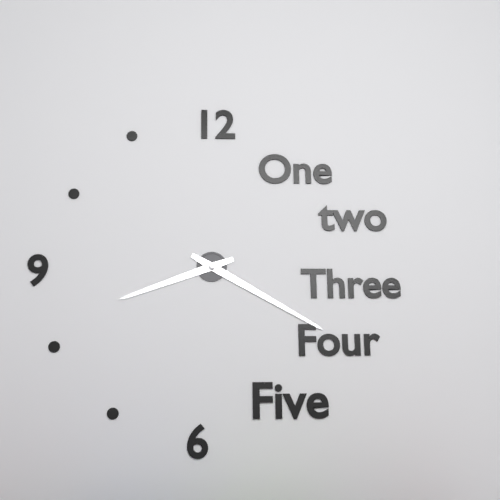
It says 8h20
